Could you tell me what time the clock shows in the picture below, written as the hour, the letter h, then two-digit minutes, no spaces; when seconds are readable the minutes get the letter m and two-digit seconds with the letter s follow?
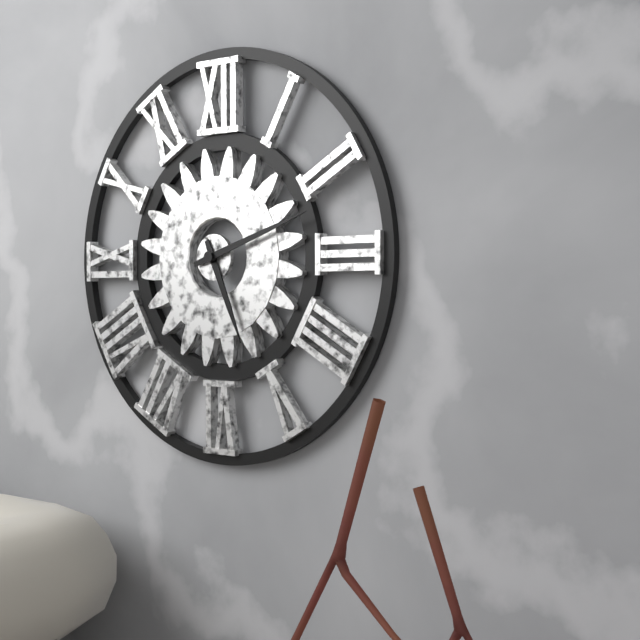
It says 5h12
